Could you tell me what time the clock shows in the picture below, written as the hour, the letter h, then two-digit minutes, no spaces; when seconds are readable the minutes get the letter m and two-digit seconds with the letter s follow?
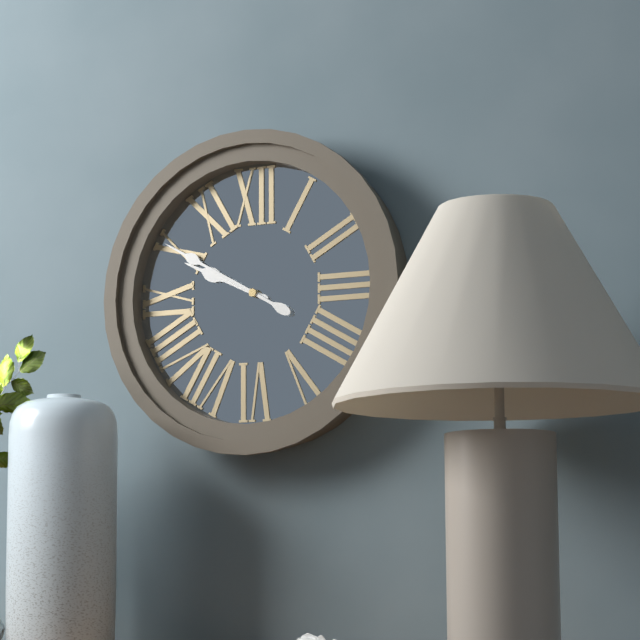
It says 9h50
